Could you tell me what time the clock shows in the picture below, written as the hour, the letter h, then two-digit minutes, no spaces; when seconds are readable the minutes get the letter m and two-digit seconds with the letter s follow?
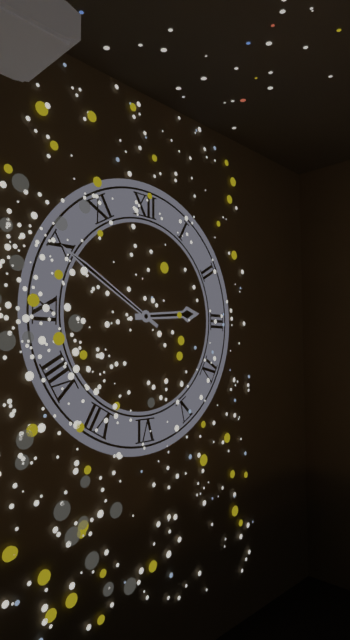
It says 2h50
